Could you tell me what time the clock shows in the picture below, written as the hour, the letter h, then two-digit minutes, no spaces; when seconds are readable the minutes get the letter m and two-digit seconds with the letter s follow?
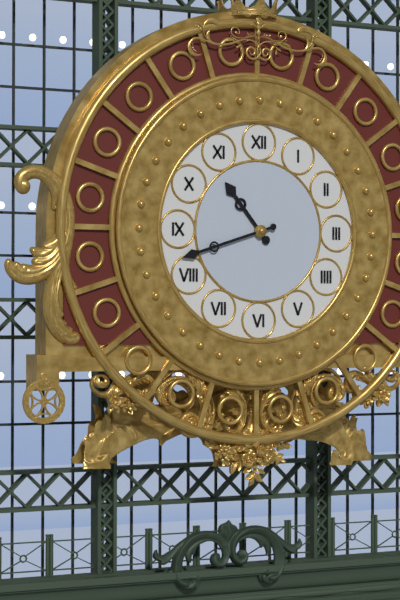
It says 10h42
